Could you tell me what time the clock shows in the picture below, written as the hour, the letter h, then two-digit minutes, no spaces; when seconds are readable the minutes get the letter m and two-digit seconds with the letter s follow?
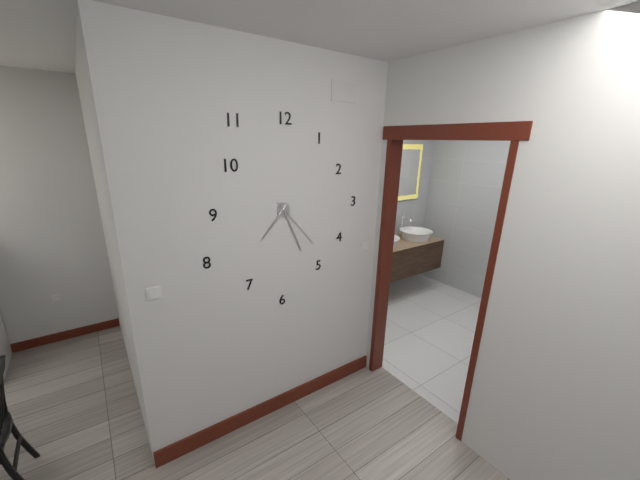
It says 7h26m23s
